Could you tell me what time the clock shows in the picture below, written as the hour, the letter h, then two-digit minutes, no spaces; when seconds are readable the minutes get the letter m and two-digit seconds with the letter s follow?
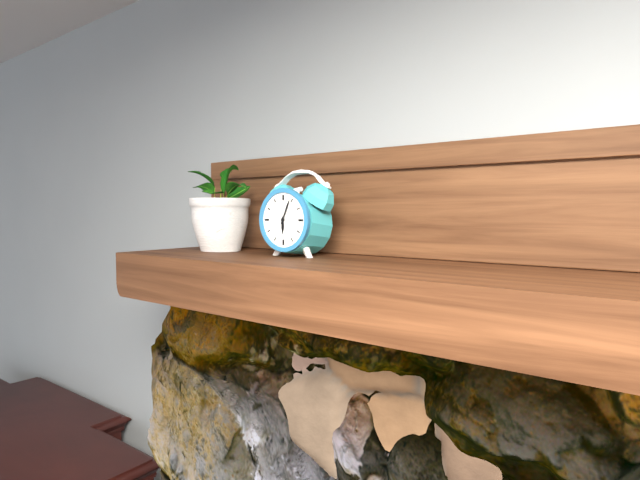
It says 6h04
